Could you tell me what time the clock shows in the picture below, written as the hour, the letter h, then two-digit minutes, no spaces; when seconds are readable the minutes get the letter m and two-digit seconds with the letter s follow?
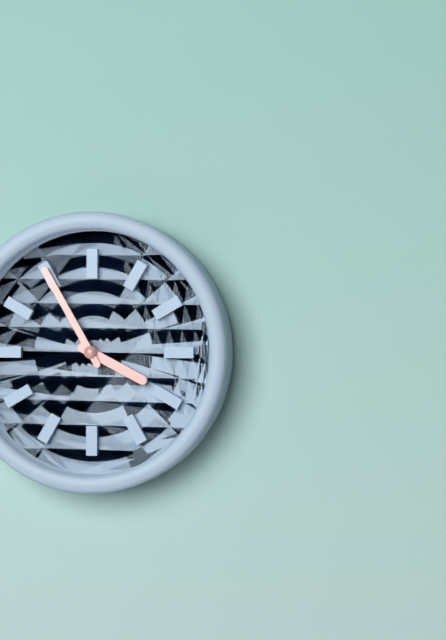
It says 3h55
